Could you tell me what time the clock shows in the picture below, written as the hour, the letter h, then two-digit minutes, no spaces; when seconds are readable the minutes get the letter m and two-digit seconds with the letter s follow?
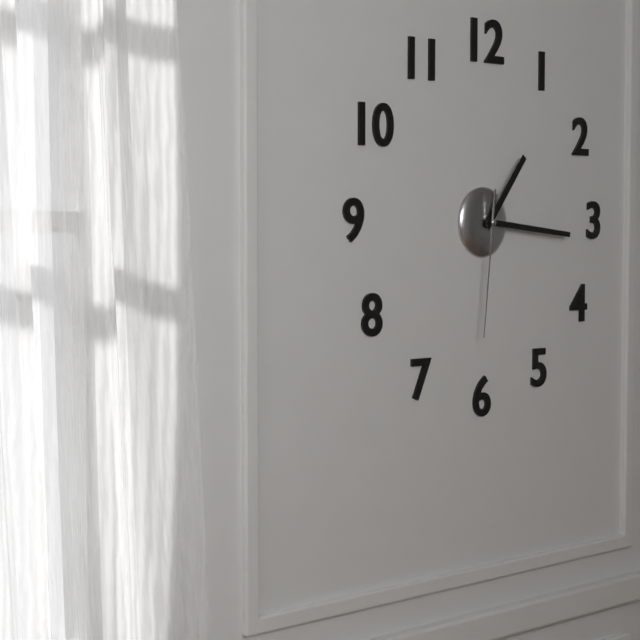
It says 1h16m31s
